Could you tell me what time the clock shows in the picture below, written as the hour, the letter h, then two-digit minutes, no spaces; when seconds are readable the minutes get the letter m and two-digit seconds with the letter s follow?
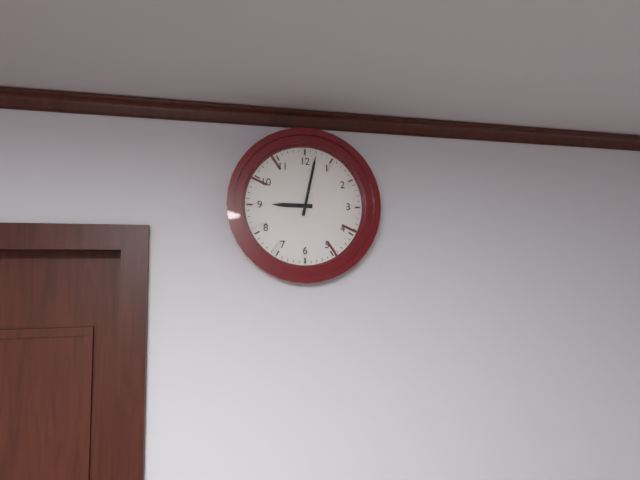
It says 9h02
